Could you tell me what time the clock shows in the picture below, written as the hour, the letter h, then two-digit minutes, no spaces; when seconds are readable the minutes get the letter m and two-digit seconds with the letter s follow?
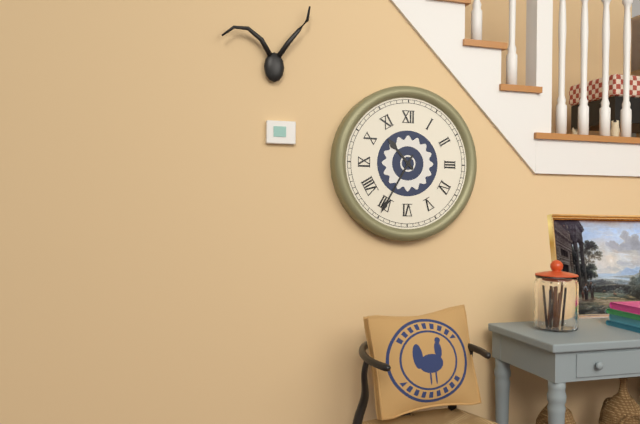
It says 10h35
